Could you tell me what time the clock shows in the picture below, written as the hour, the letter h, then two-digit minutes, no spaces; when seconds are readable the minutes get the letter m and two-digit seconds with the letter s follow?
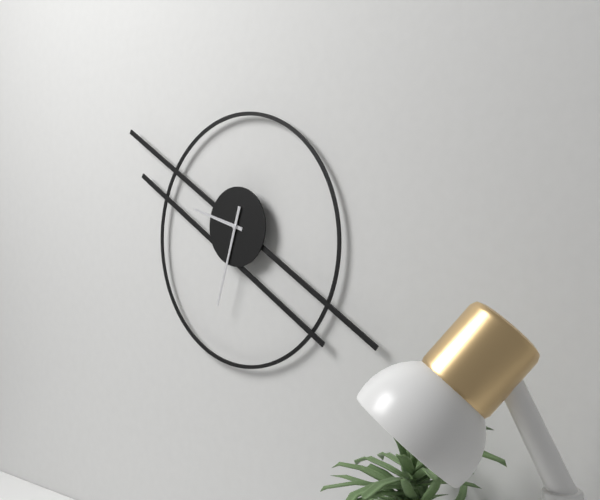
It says 9h33
